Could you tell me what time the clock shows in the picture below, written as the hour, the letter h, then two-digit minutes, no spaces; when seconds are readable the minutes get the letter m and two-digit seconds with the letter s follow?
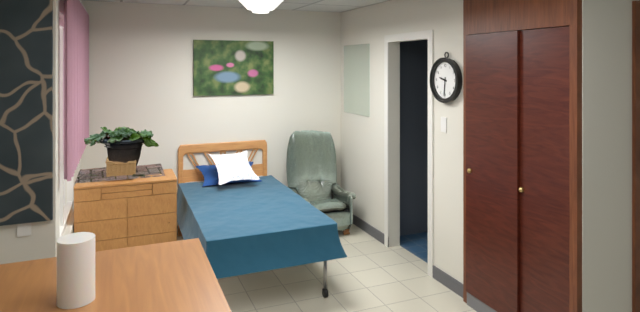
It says 9h31
